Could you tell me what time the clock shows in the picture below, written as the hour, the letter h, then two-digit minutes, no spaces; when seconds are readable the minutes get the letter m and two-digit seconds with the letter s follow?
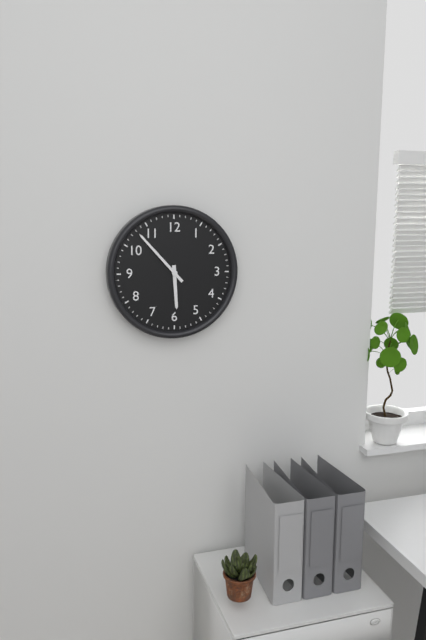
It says 5h53
